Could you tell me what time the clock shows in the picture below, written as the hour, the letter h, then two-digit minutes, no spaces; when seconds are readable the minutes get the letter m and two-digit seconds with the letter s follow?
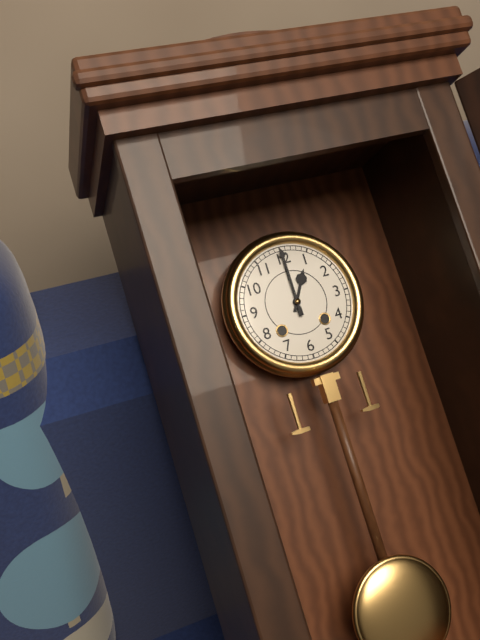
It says 1h00
